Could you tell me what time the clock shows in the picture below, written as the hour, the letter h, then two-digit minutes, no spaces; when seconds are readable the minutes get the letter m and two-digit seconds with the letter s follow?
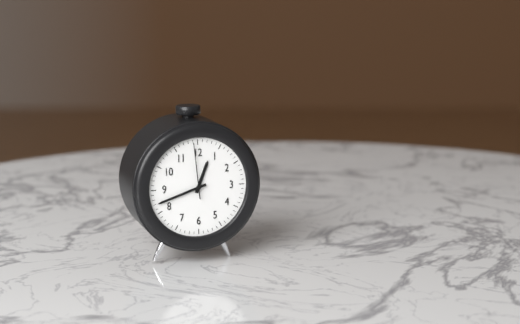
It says 12h42m59s
